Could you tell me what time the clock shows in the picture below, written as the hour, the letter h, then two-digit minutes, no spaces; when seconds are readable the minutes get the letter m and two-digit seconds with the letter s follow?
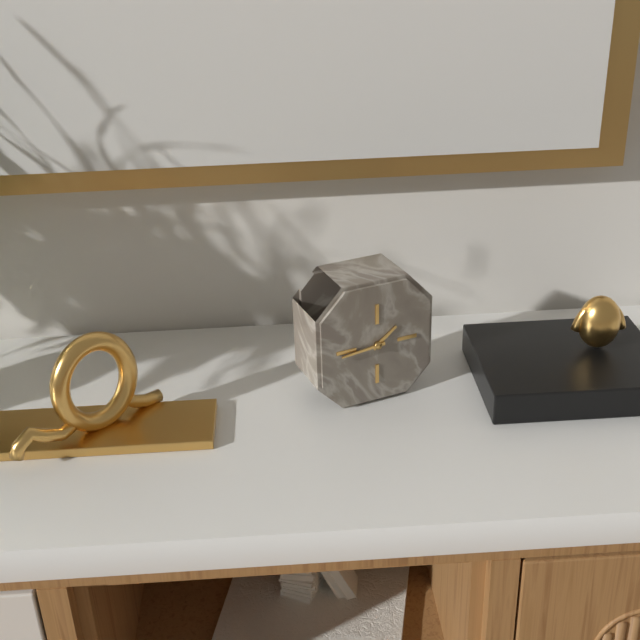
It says 1h44
